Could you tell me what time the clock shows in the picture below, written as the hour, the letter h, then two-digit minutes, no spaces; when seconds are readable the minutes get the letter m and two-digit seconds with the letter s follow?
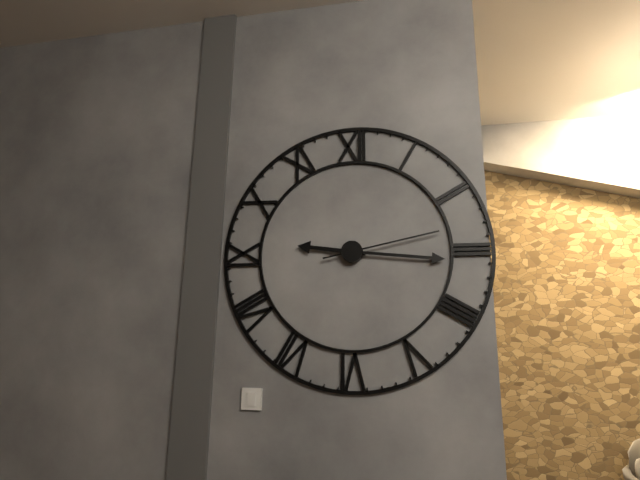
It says 9h16m13s
